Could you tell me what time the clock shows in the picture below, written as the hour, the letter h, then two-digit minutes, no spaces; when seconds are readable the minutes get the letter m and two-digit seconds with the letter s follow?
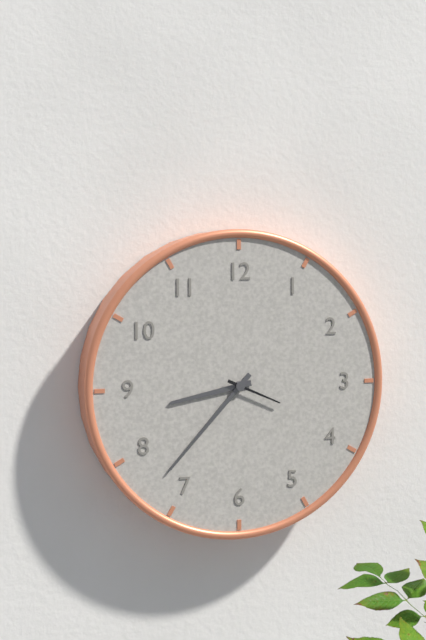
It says 8h37m19s
